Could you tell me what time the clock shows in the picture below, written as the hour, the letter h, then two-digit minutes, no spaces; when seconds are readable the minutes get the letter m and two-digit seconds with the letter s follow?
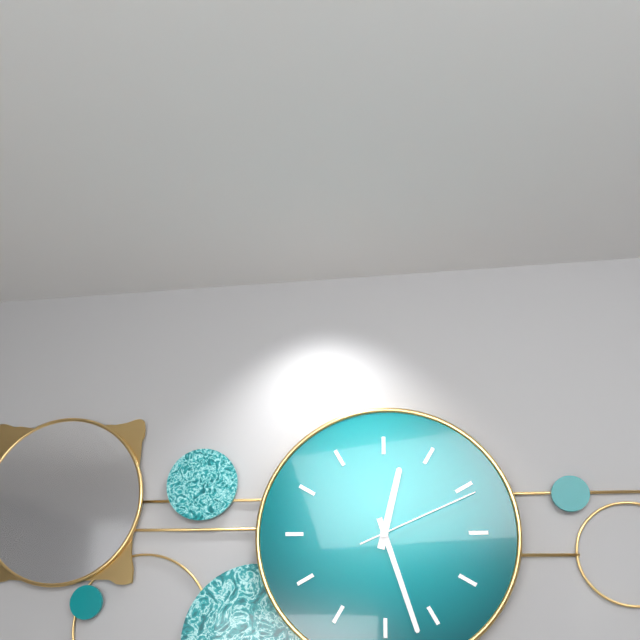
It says 12h27m11s
